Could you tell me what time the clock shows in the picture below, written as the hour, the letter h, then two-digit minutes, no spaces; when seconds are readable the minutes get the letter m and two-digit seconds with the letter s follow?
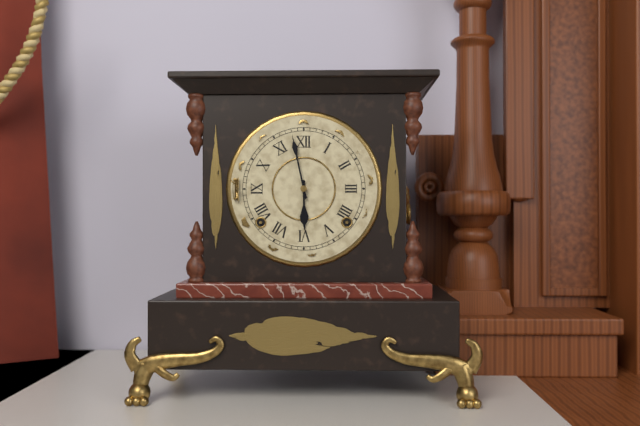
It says 5h58
